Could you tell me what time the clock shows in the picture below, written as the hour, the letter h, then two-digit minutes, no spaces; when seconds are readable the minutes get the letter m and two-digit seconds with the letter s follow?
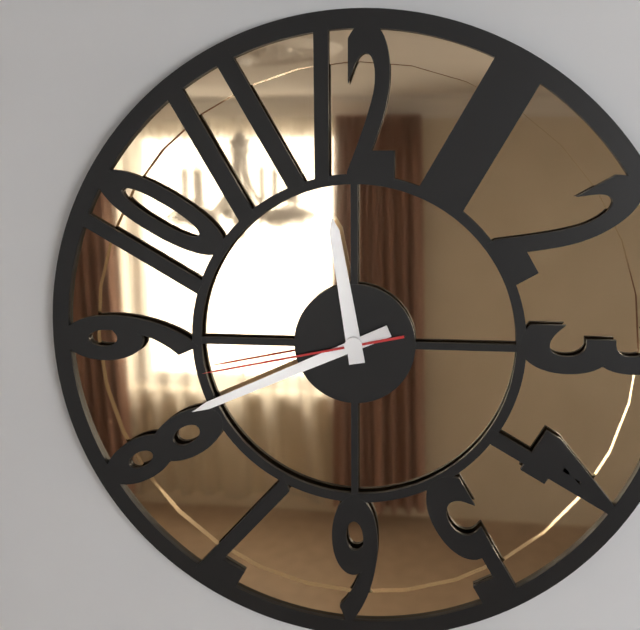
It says 11h41m43s
